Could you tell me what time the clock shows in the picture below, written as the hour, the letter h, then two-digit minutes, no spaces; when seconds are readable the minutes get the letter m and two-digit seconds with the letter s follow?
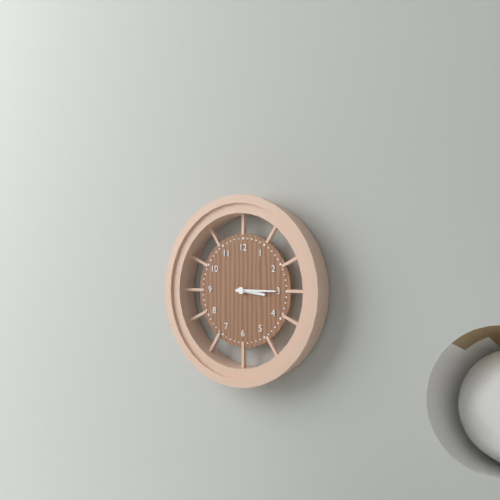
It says 3h15
